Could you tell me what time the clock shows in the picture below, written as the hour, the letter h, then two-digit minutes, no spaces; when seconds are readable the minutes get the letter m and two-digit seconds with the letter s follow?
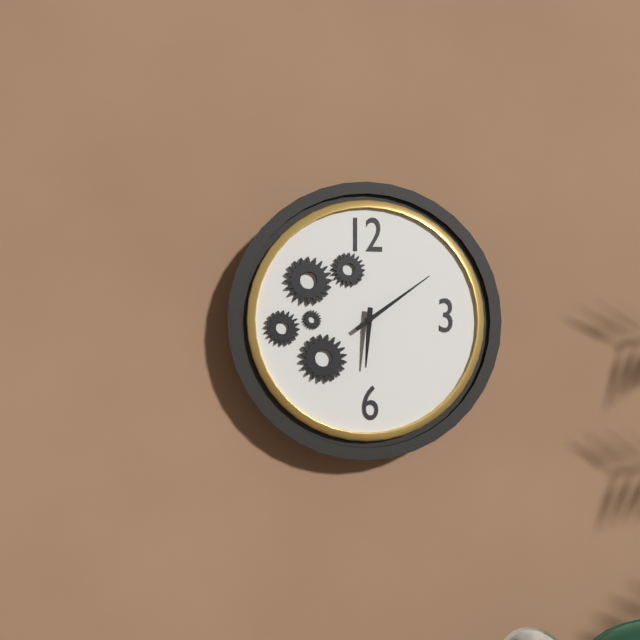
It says 6h09
